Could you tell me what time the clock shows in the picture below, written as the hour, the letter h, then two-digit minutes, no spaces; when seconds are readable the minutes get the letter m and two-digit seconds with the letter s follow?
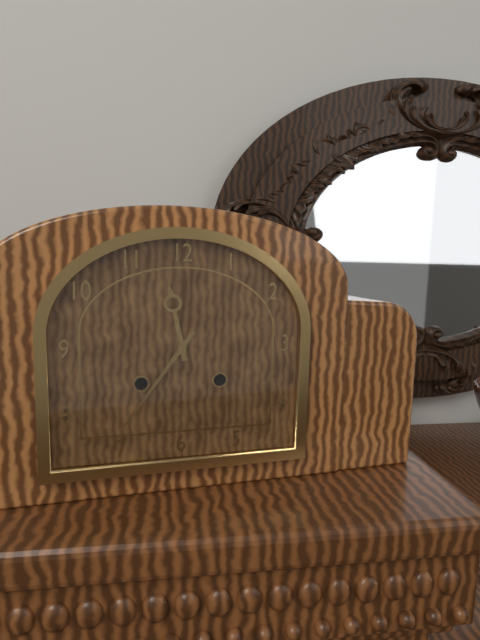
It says 11h36
